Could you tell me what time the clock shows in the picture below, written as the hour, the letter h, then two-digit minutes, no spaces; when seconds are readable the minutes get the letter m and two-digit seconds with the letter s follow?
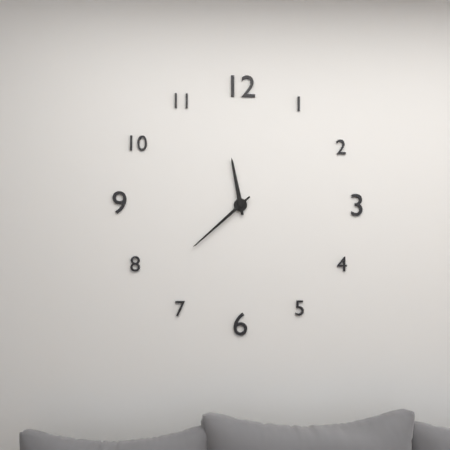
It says 11h38
